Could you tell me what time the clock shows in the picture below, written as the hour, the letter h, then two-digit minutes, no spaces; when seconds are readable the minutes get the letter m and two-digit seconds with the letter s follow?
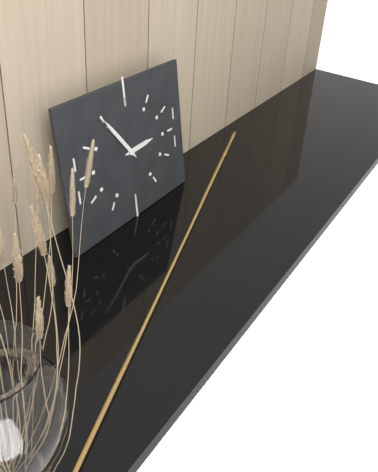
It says 2h54
